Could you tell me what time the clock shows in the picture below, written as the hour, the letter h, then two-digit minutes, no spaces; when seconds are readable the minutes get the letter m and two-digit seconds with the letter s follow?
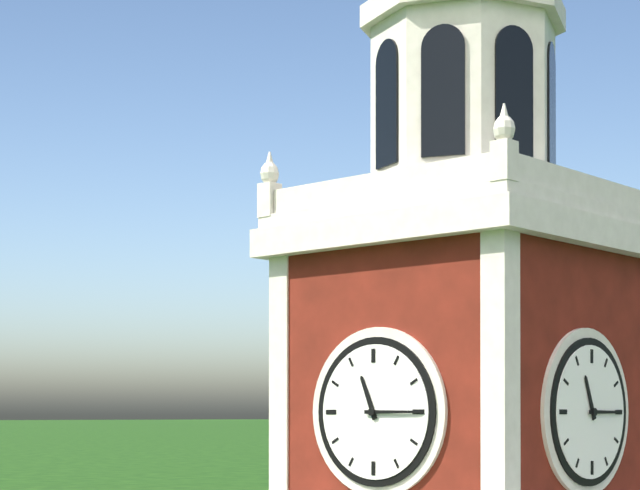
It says 11h15
